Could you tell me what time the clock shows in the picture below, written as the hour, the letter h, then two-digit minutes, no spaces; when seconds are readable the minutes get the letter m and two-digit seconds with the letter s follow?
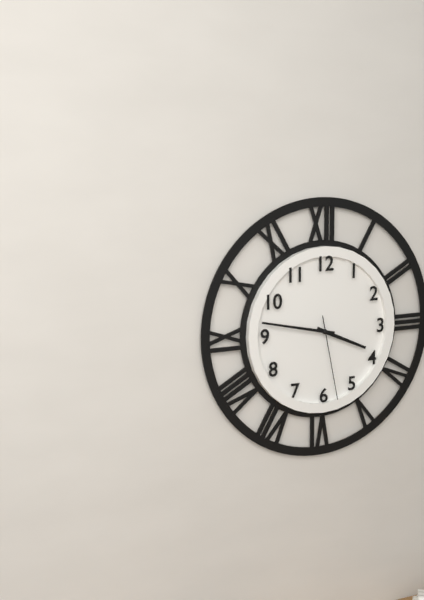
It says 3h47m28s
